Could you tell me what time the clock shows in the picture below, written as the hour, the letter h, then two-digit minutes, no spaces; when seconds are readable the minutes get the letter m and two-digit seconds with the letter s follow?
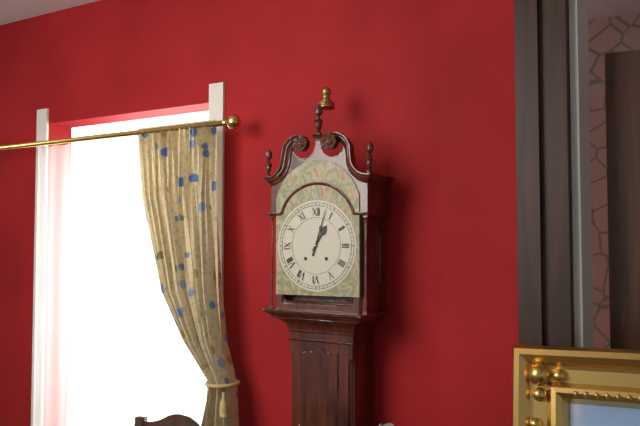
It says 1h03
